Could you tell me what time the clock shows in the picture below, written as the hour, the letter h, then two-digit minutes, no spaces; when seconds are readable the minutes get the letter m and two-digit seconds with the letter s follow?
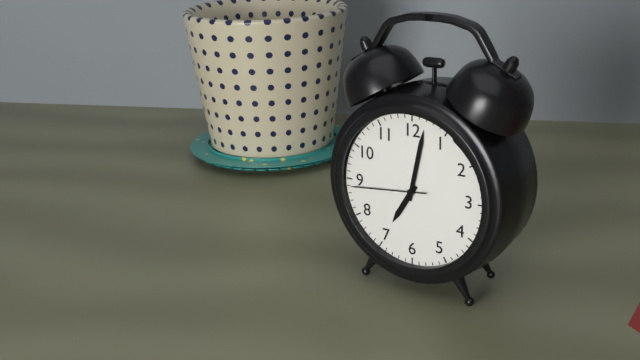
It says 7h02m44s
